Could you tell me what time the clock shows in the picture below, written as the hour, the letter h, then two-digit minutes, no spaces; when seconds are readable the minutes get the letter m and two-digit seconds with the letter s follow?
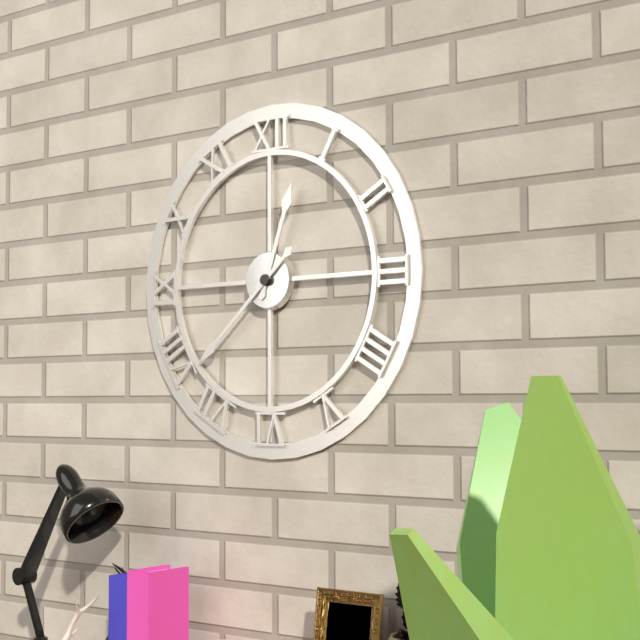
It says 12h38
